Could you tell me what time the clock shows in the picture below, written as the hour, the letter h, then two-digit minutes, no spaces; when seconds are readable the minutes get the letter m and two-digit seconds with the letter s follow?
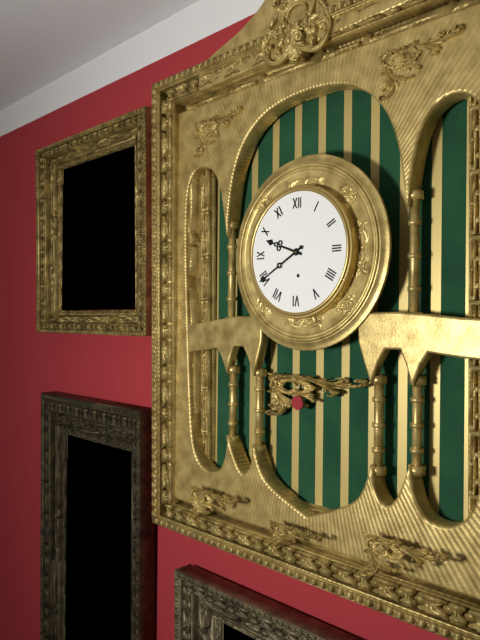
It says 9h40
